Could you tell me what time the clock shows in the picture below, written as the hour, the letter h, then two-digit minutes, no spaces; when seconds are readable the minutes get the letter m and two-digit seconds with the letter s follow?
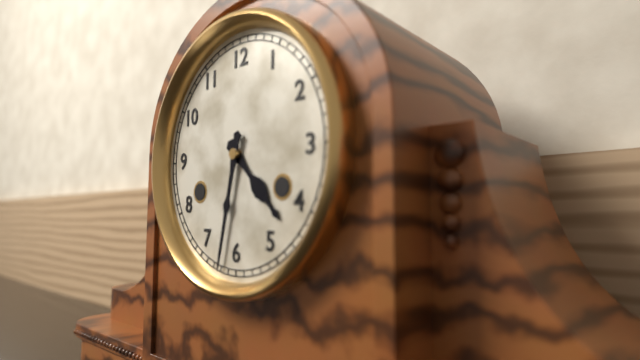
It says 4h32
